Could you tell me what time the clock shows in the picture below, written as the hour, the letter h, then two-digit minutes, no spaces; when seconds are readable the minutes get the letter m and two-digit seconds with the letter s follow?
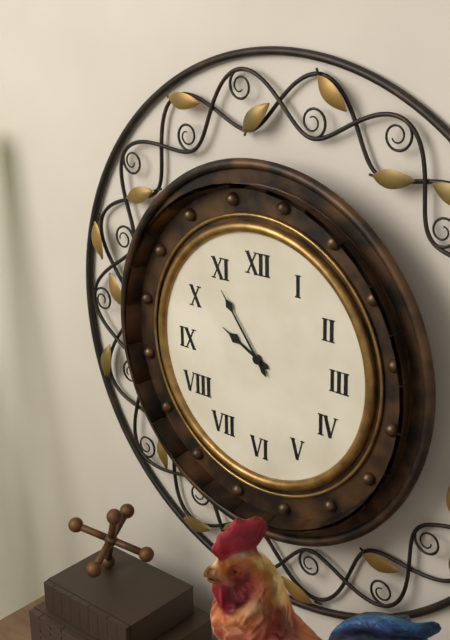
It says 9h54
